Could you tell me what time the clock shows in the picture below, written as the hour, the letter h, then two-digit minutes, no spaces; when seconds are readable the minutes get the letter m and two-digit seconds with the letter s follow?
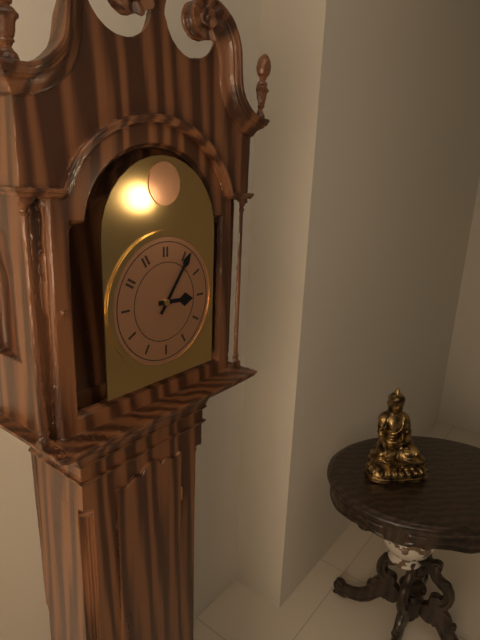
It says 3h06
